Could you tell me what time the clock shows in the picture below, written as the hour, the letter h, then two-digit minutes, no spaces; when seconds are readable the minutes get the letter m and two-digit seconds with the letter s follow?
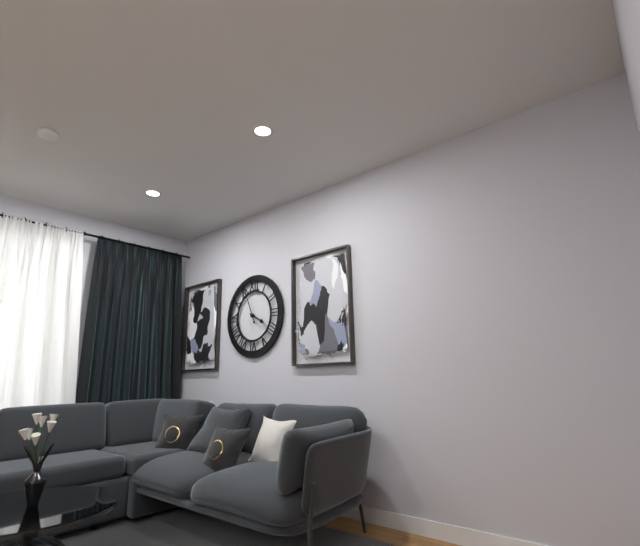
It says 3h56
